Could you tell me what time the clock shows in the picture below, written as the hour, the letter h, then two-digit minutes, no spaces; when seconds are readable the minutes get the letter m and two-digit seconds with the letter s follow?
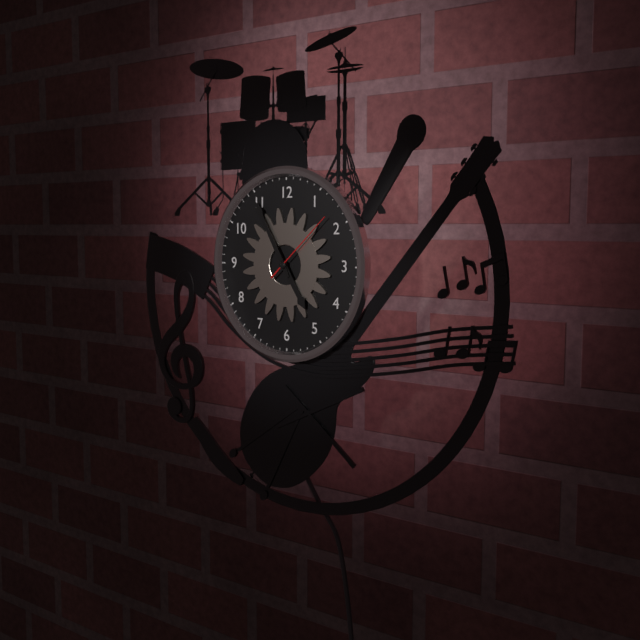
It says 4h55m08s
